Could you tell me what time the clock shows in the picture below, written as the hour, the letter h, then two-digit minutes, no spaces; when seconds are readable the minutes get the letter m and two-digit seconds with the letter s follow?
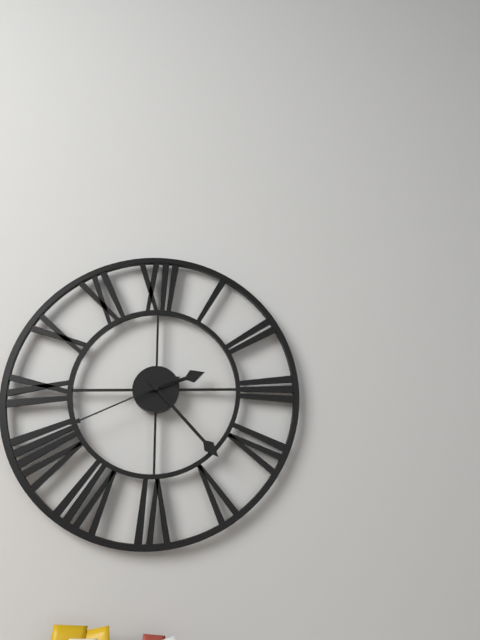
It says 2h23m41s
